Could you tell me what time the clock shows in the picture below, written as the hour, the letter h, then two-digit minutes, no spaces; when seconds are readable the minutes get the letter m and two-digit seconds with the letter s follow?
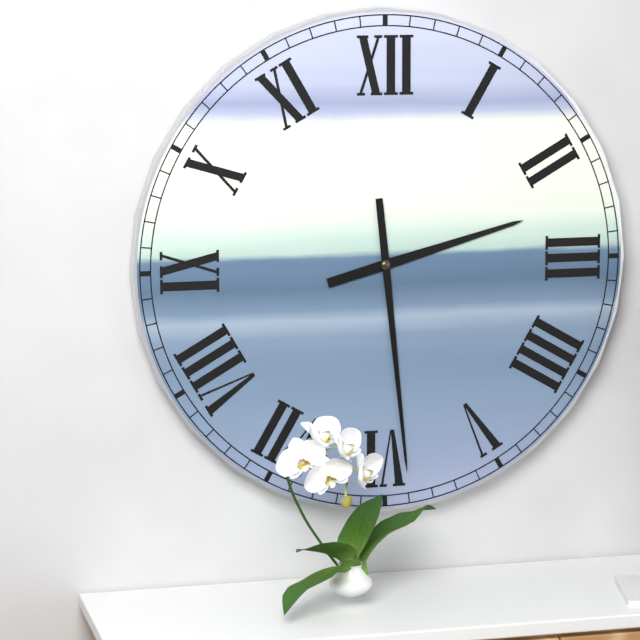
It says 2h29
